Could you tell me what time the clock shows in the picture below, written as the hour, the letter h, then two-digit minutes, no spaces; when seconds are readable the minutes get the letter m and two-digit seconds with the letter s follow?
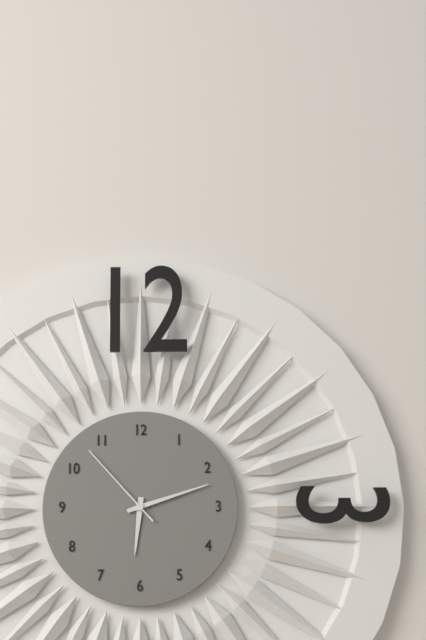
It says 6h12m53s
